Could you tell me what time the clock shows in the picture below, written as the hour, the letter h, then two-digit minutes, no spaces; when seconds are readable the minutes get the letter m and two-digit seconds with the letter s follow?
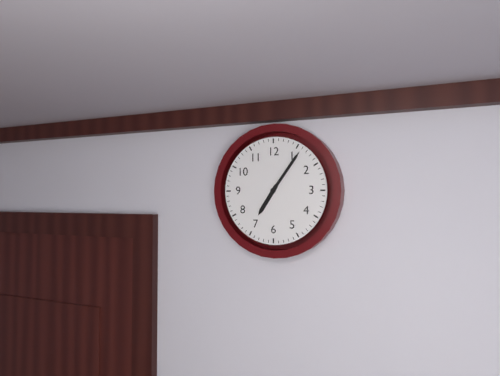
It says 7h06
